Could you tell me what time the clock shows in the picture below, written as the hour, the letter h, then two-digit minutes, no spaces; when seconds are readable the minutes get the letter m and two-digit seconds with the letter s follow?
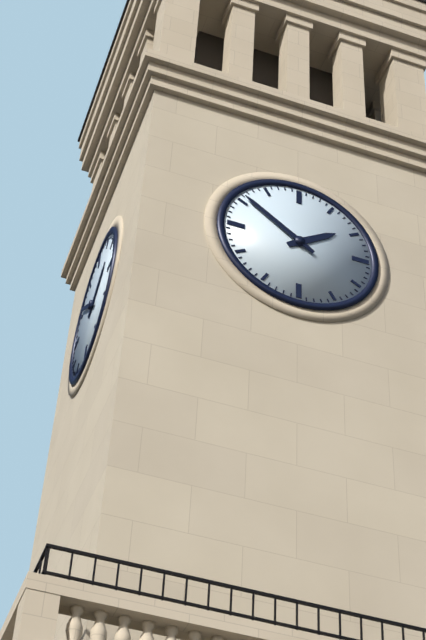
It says 1h51
